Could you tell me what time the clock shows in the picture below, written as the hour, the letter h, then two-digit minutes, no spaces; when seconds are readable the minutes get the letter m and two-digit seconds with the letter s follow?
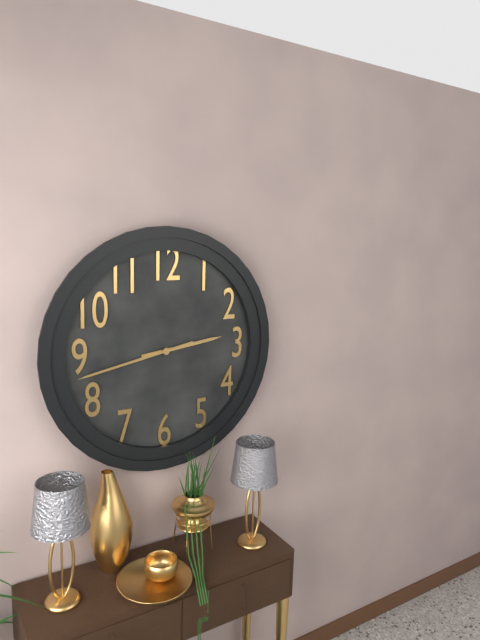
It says 2h43
